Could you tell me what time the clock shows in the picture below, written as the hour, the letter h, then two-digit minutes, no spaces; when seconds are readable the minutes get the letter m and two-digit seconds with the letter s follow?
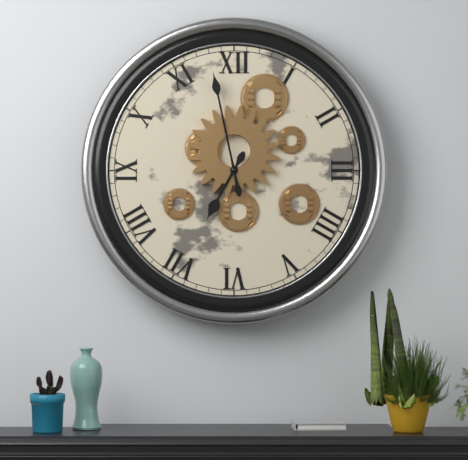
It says 6h58
